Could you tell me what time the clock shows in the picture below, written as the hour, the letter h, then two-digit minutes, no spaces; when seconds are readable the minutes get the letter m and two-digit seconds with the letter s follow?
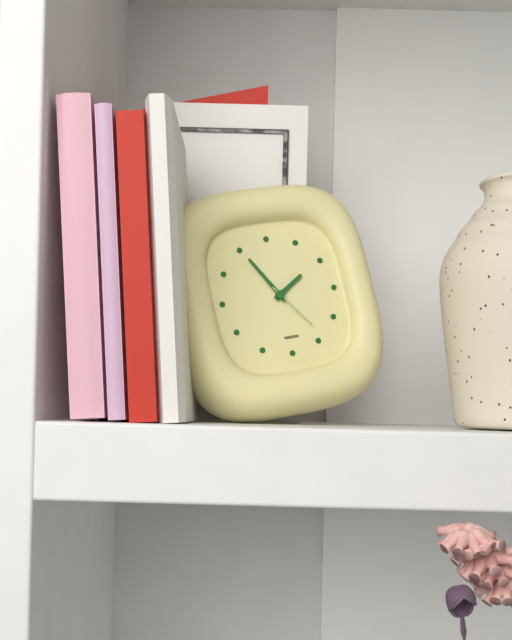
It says 1h55m24s
